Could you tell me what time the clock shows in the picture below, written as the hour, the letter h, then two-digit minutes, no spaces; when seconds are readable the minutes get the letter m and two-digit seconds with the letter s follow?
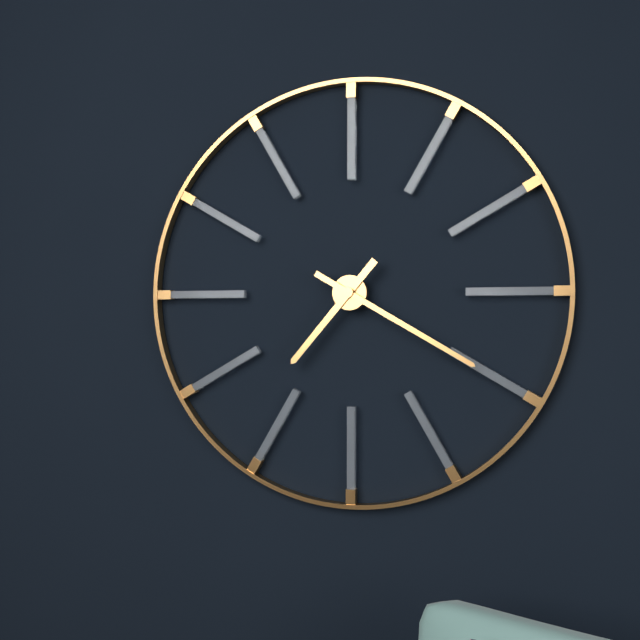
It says 7h20
